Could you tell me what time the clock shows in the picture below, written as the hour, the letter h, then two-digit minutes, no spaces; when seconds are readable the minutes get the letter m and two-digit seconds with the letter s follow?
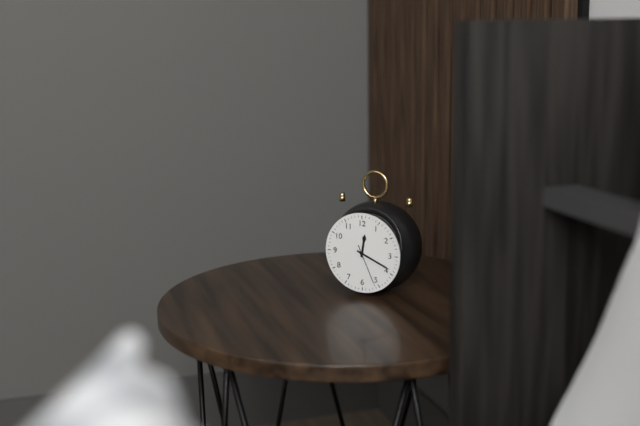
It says 12h19
